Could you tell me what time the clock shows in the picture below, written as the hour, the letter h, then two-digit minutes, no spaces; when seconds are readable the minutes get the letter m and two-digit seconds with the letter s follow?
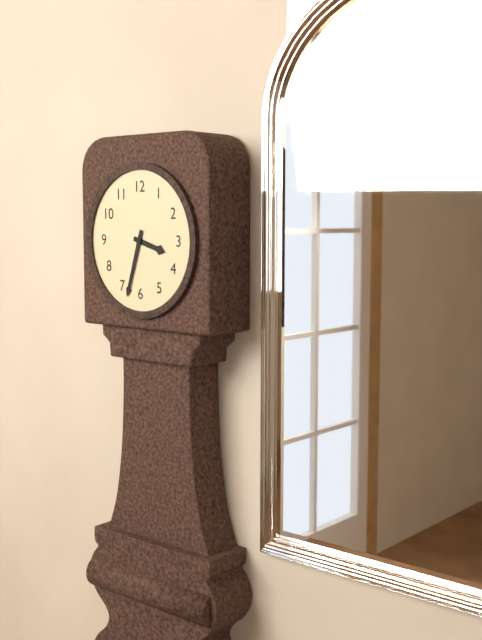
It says 3h33
